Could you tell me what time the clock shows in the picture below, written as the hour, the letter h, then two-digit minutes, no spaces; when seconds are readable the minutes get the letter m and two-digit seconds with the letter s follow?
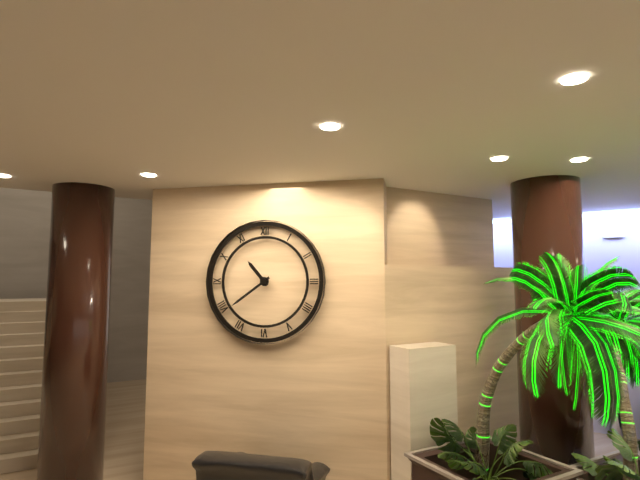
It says 10h39
